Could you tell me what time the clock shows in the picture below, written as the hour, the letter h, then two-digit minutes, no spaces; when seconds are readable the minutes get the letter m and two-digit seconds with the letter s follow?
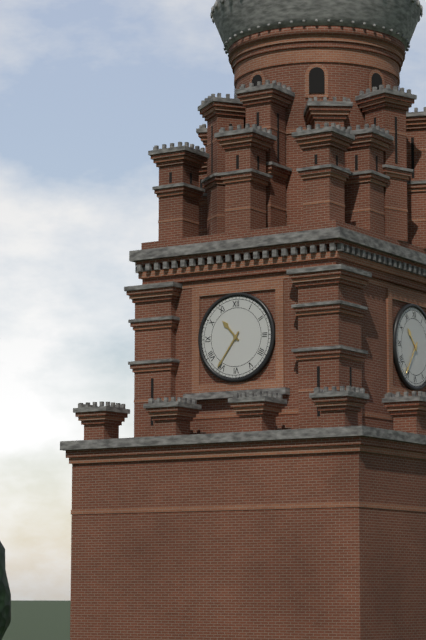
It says 10h36
